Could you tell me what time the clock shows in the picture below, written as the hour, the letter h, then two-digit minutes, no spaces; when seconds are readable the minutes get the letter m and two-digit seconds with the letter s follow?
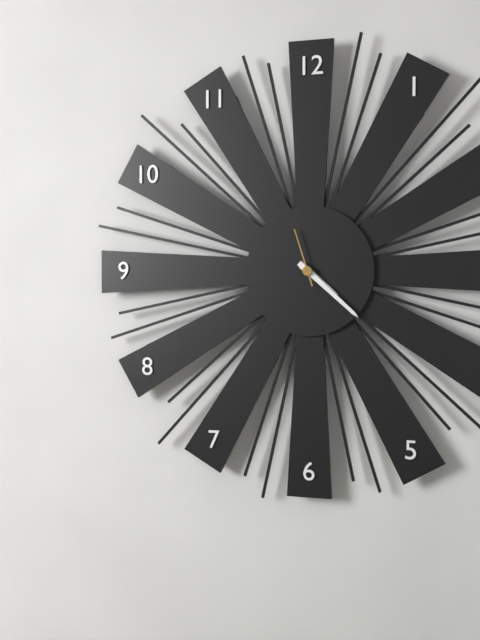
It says 4h22m57s
